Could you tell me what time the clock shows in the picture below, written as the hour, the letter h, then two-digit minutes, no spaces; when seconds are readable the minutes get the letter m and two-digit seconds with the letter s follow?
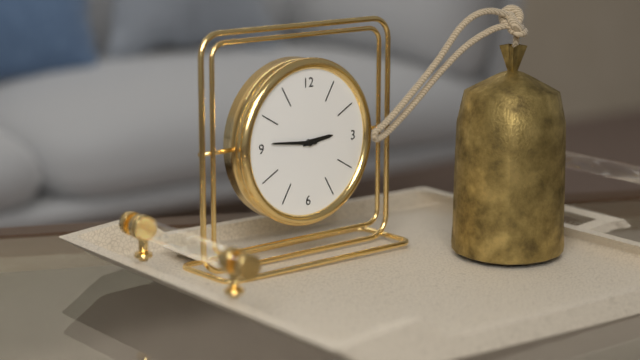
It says 2h46
